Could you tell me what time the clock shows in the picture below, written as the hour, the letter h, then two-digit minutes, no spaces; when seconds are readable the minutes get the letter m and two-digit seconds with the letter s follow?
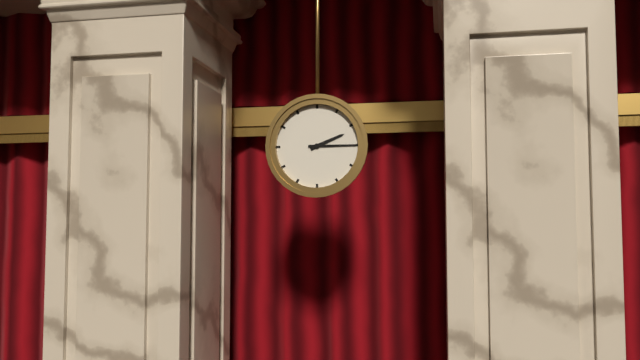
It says 2h15
